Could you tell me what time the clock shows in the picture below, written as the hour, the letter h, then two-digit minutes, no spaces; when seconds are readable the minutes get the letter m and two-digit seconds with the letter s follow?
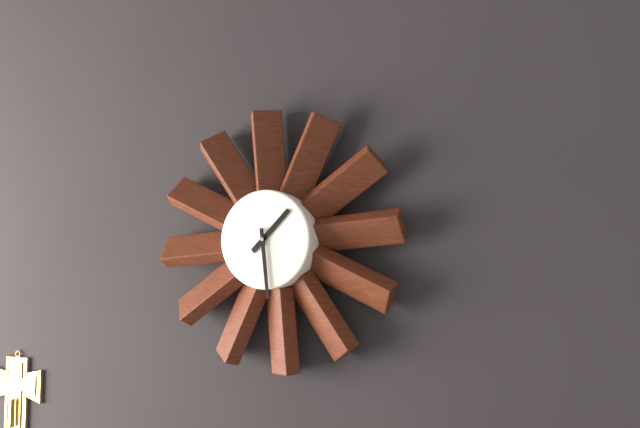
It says 1h29
